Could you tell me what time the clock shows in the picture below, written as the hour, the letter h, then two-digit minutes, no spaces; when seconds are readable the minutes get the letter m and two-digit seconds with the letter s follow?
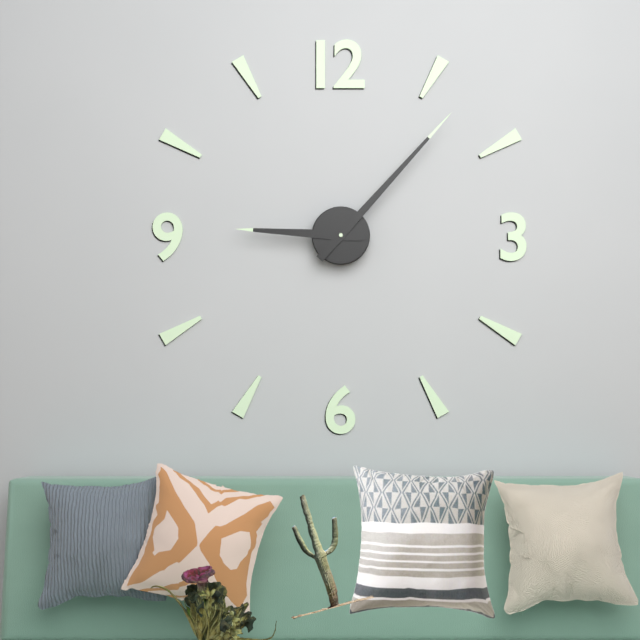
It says 9h07
